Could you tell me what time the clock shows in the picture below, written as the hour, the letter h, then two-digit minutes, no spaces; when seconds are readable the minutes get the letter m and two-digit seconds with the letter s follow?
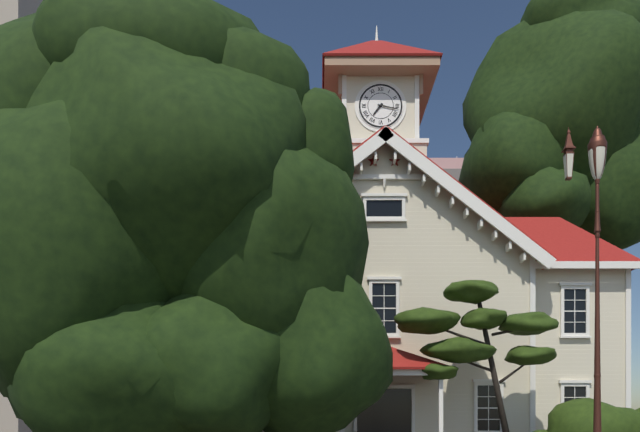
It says 7h17
